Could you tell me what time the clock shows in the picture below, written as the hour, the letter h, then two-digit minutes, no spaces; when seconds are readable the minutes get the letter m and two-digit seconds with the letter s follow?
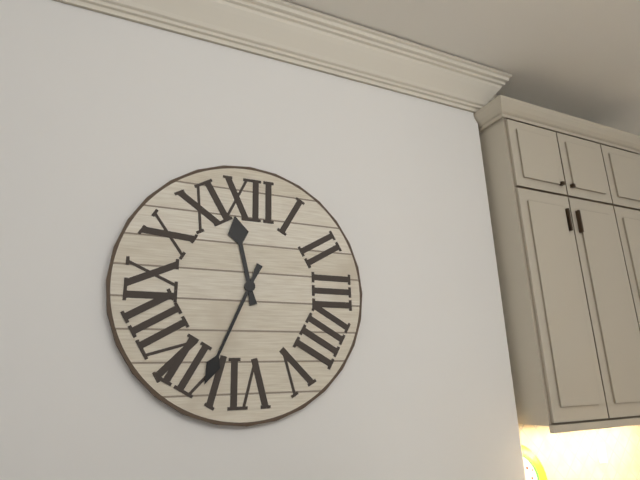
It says 11h34
